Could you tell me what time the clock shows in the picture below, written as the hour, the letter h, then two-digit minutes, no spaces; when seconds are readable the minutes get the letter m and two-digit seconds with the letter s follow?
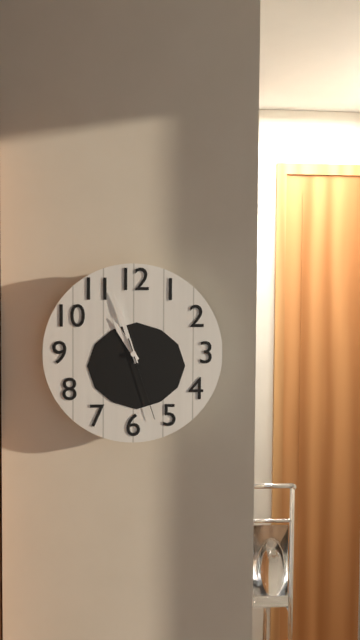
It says 10h57m27s
